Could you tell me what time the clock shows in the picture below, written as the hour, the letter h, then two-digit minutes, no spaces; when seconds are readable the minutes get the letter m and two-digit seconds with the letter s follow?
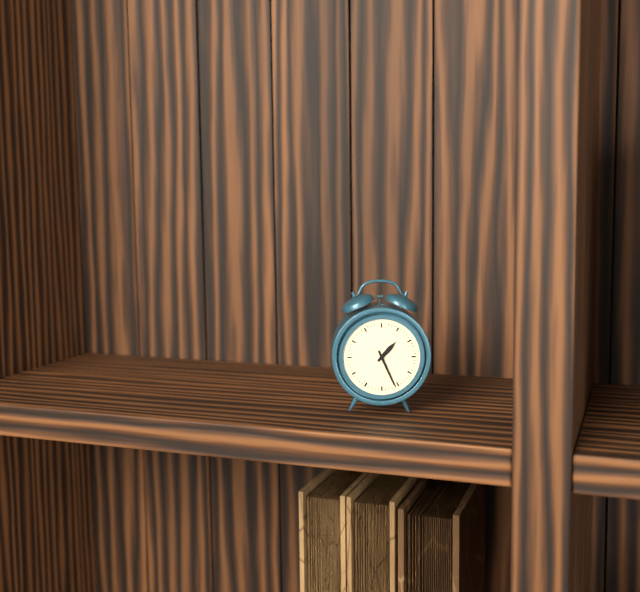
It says 1h26
